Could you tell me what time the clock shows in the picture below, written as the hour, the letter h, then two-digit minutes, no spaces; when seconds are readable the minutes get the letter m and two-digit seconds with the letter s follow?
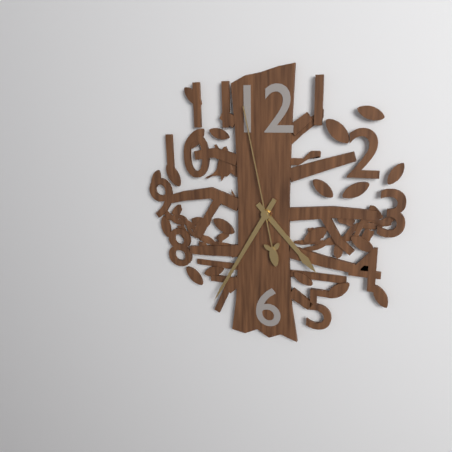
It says 4h35m58s
